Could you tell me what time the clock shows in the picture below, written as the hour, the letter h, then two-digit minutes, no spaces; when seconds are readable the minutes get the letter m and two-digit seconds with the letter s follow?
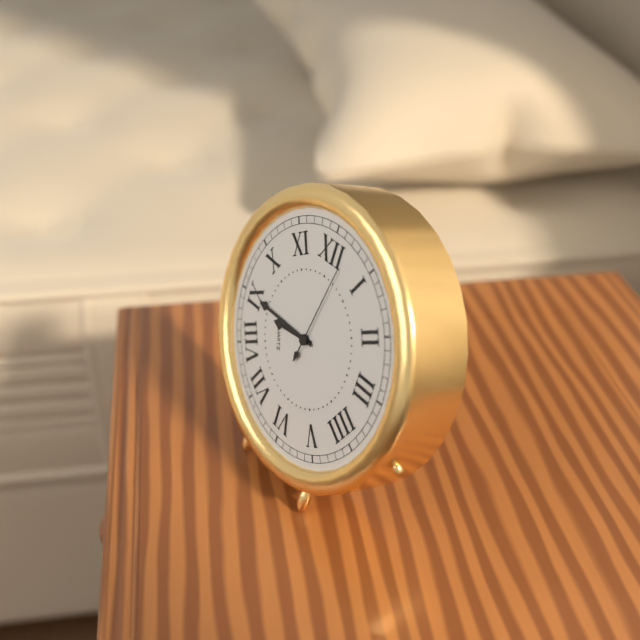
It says 8h45m02s
